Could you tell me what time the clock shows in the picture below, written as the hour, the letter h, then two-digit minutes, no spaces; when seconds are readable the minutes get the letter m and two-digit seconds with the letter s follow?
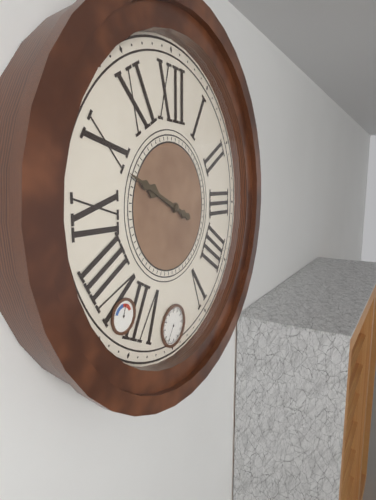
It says 9h49
